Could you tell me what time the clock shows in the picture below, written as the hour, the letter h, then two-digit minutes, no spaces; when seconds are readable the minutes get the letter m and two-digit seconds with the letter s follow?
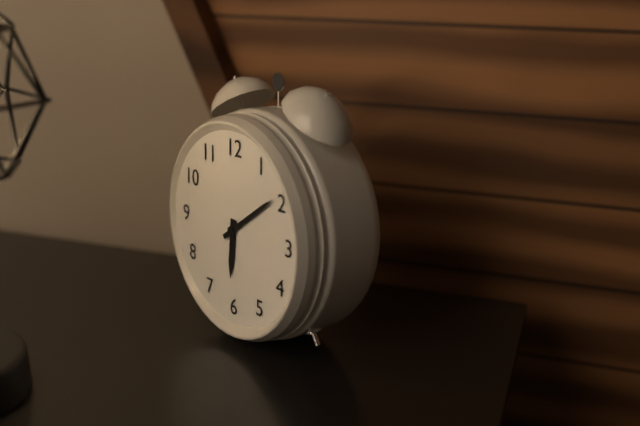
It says 6h09
